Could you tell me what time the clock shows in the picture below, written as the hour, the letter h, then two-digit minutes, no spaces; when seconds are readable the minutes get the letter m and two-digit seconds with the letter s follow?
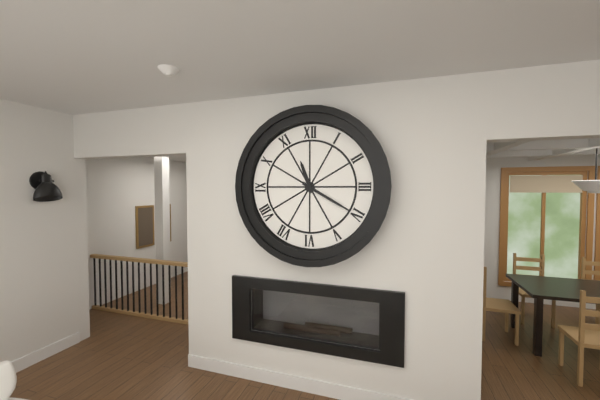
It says 11h20
